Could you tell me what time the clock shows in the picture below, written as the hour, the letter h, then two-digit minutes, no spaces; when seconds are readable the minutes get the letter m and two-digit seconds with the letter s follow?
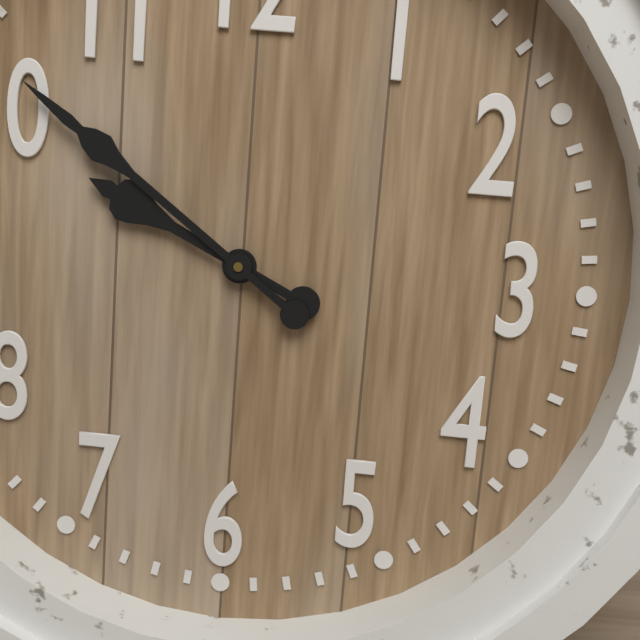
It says 9h51
